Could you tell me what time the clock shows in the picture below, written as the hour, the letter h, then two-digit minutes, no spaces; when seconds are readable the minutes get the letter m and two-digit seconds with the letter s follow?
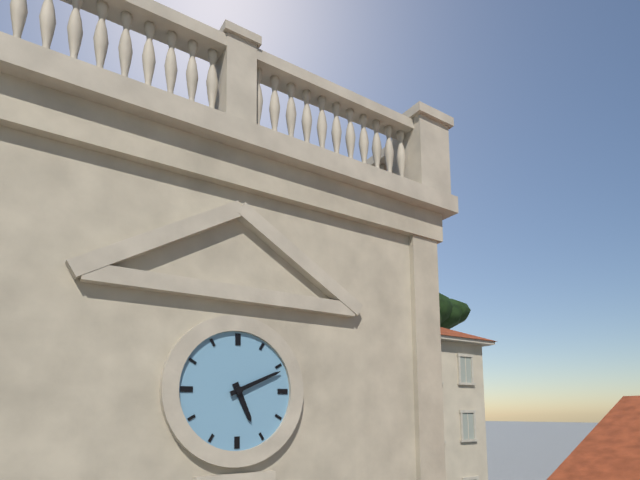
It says 5h11
